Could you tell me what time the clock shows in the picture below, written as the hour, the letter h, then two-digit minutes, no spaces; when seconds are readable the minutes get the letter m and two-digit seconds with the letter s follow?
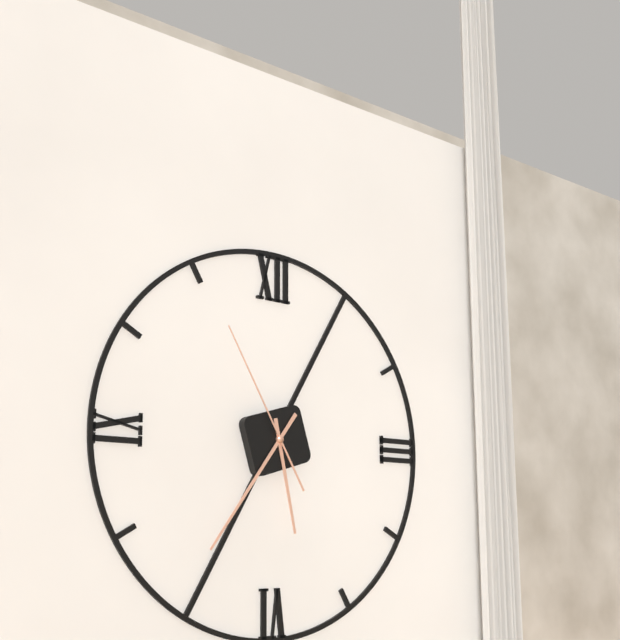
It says 5h36m55s
